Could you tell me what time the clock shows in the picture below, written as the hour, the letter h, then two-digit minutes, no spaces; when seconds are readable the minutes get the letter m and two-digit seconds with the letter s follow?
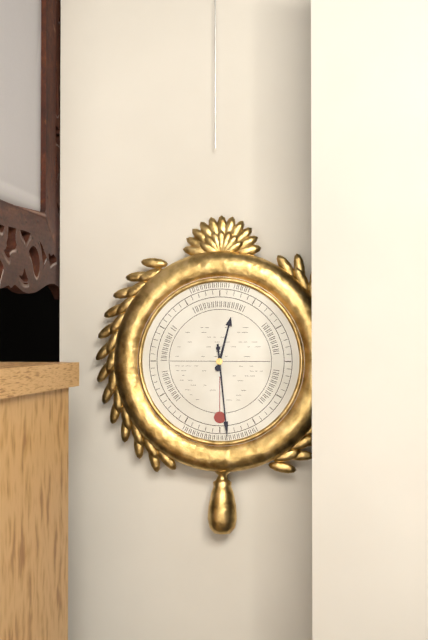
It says 12h29
